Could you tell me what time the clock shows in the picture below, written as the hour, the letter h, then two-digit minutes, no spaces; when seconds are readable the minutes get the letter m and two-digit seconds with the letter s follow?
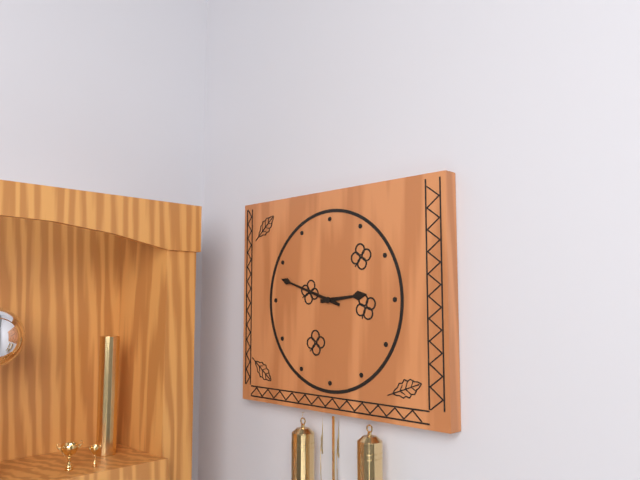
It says 2h48
